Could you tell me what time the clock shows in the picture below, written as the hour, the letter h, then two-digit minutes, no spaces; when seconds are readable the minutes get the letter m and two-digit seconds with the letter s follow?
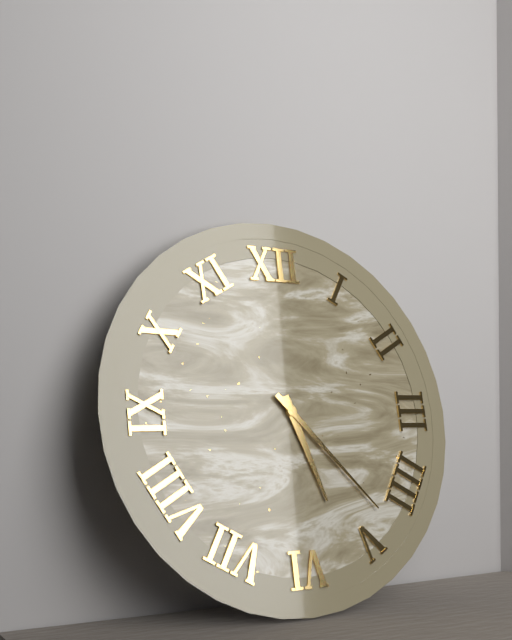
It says 5h23
